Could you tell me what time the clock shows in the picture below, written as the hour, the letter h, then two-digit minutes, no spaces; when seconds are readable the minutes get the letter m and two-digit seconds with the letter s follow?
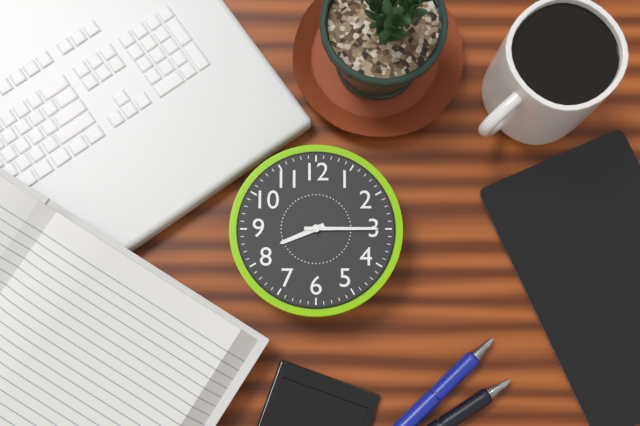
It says 8h15
